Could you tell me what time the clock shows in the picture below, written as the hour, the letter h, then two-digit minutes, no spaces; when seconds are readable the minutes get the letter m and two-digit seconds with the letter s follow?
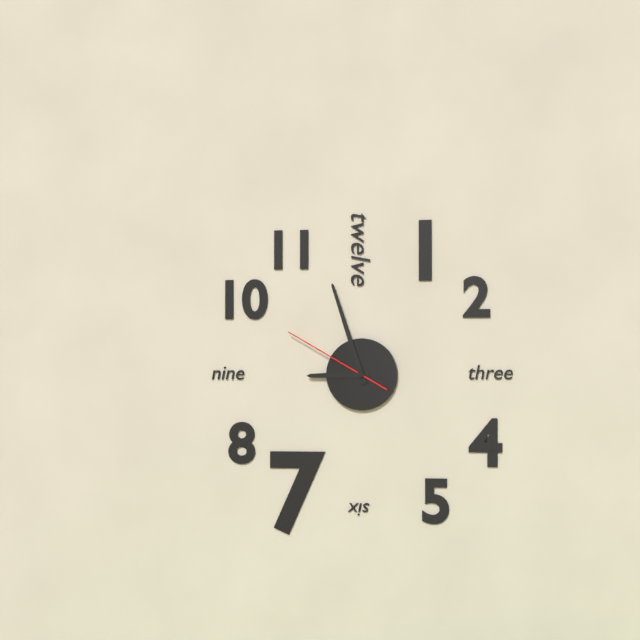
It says 8h57m50s
